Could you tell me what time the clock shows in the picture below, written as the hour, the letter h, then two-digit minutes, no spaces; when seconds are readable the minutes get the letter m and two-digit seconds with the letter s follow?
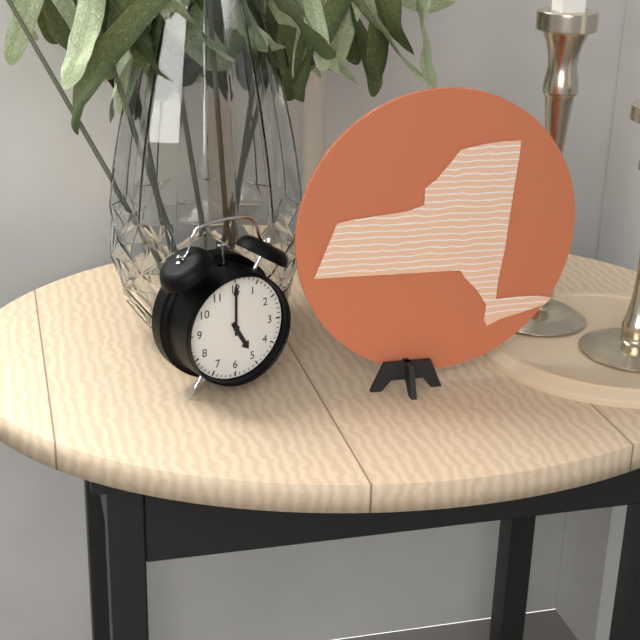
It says 5h00
